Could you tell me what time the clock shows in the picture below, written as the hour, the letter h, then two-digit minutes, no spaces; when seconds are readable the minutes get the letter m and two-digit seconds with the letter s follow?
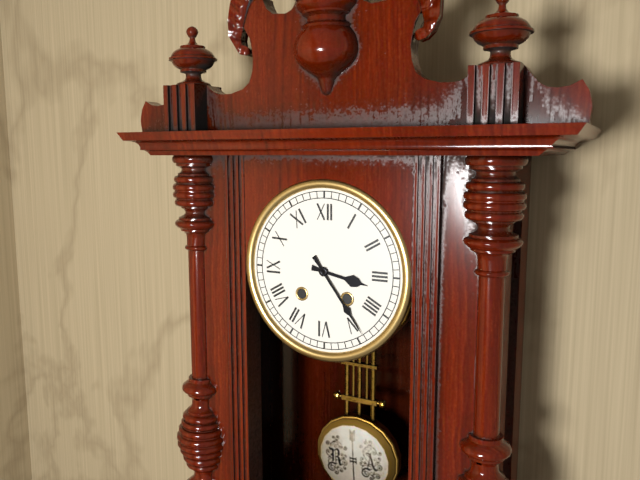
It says 3h24
